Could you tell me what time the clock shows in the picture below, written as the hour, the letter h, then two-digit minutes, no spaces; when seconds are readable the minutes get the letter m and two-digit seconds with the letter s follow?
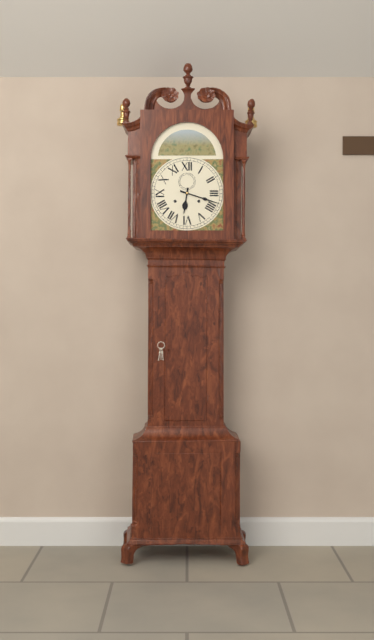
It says 6h18
